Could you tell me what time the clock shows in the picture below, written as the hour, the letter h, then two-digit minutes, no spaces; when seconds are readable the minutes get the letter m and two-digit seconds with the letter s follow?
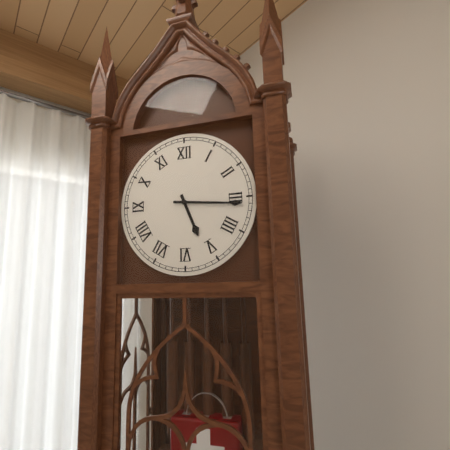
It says 5h16
